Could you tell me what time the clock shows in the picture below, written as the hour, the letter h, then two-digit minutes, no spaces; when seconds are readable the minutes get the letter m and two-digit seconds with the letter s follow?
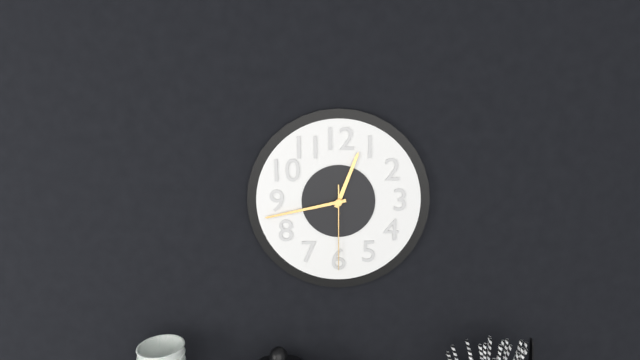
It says 12h43m30s
